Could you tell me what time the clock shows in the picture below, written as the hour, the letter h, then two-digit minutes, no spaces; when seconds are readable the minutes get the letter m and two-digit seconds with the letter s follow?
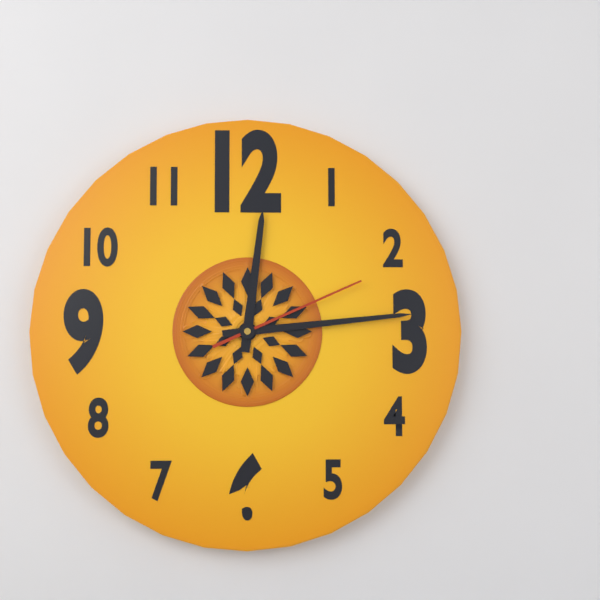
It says 12h14m11s
